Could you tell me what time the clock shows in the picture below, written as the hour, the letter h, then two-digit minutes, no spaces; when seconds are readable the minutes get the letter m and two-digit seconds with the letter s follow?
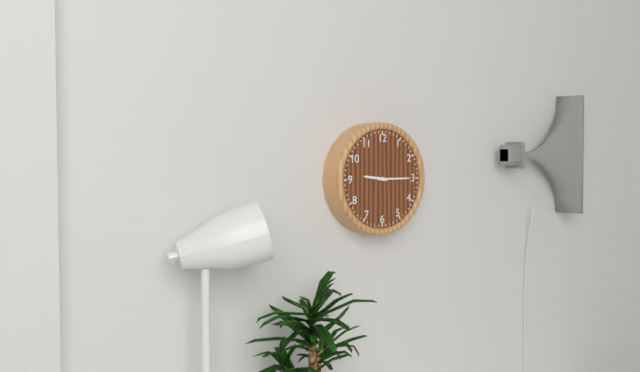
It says 9h15
